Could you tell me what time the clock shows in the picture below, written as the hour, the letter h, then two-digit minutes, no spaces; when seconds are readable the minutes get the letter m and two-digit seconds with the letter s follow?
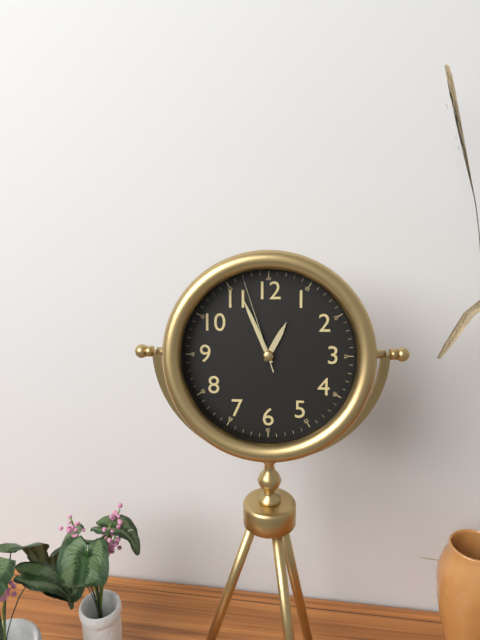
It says 12h56m57s
